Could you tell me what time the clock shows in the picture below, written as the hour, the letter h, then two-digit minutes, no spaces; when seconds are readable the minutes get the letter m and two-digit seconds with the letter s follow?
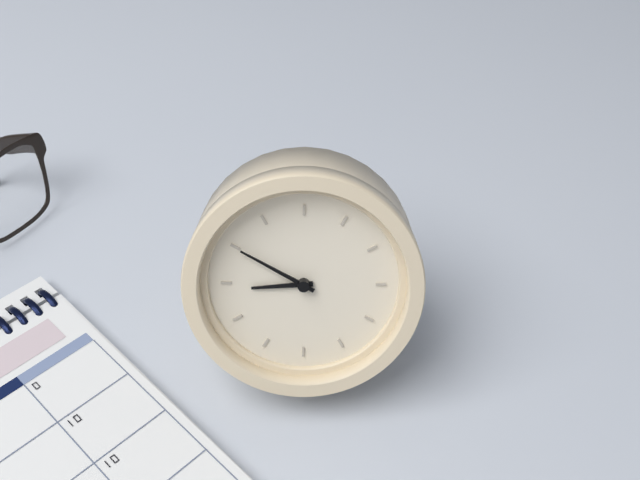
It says 8h50
